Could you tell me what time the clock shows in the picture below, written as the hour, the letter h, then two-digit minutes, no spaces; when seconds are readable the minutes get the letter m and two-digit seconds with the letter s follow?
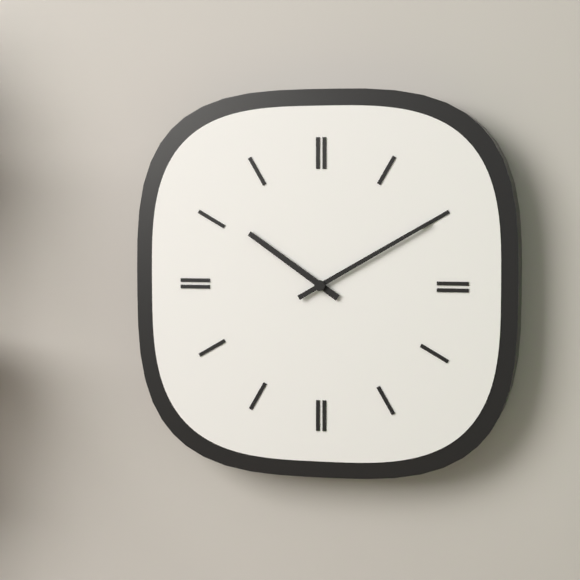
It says 10h10
